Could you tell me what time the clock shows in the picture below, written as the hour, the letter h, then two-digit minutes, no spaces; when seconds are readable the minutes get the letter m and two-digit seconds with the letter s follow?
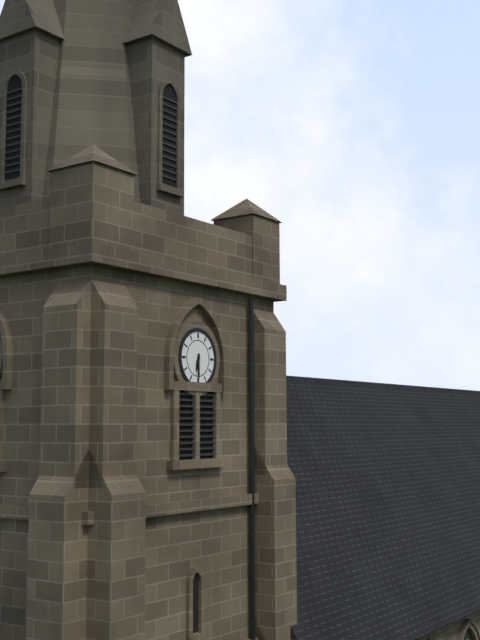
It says 6h30
